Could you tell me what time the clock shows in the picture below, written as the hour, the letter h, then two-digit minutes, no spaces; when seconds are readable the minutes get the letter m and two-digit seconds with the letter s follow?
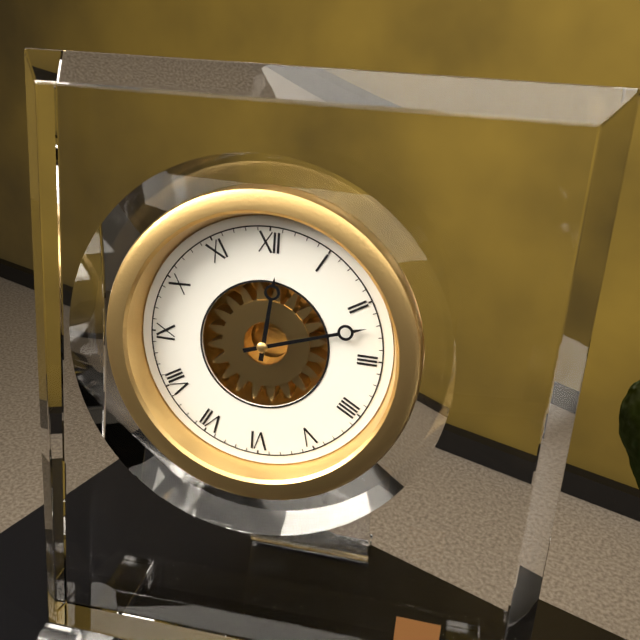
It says 12h12
